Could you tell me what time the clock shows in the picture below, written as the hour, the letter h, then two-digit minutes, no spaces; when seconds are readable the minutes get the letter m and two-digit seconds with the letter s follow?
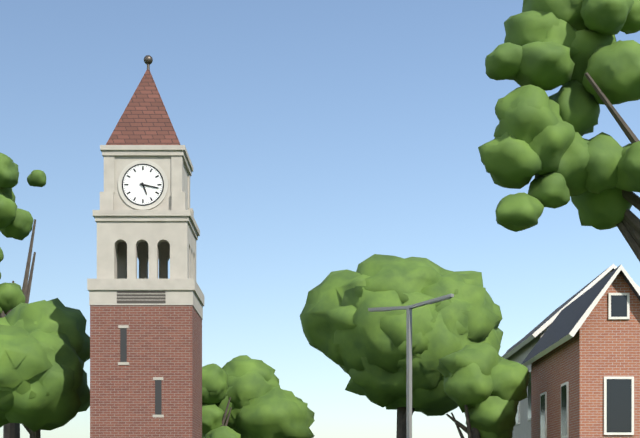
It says 5h17
